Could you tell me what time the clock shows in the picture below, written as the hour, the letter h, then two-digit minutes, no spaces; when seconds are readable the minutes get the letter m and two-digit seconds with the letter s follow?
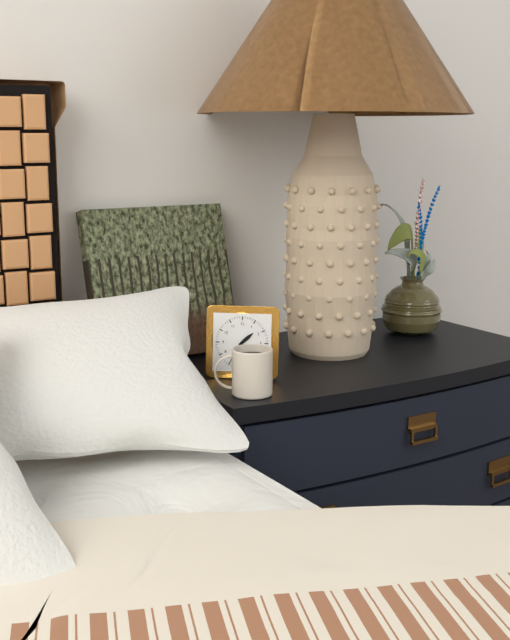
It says 1h35
